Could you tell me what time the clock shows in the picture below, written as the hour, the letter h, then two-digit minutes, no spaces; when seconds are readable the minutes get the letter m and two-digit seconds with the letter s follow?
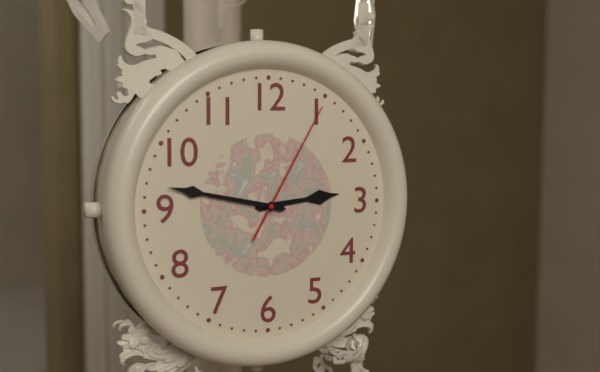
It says 2h47m05s
